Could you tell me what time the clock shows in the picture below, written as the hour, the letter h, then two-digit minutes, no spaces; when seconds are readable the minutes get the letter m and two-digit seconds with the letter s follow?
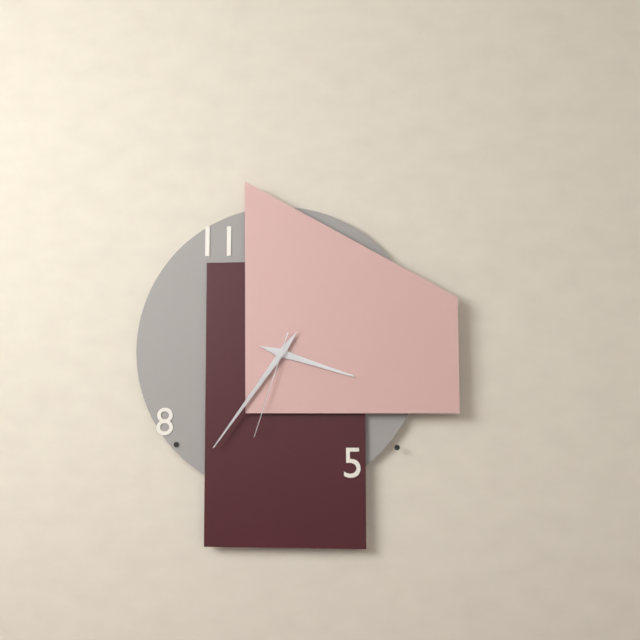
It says 3h36m33s
